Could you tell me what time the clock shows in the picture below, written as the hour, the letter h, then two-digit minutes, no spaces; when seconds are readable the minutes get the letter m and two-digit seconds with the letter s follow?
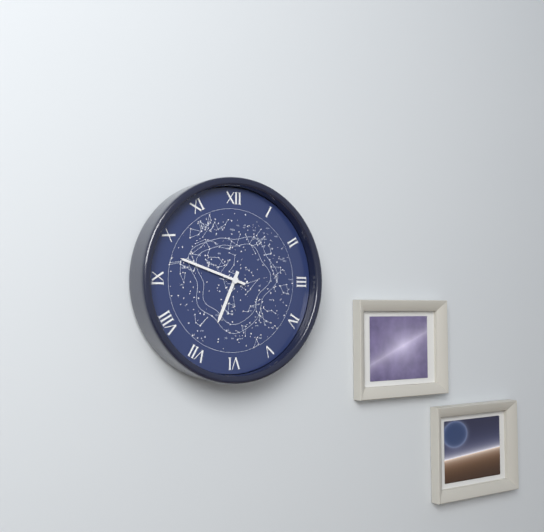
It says 6h48
